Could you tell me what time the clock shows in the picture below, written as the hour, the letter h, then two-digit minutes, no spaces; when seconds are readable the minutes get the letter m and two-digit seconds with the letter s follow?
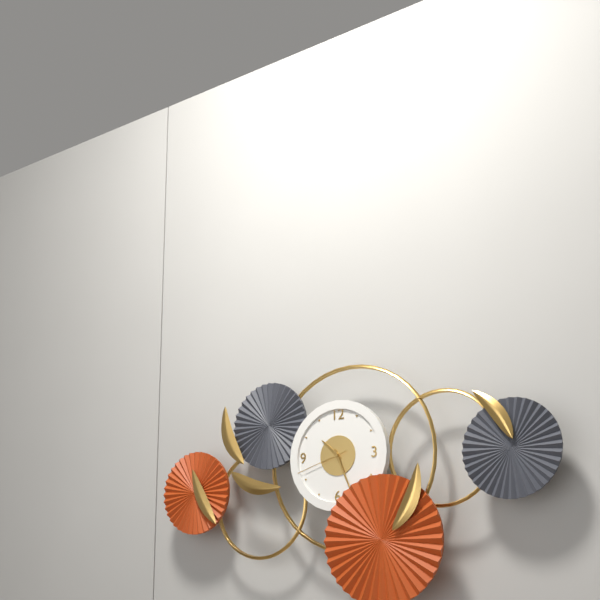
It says 10h26m42s
